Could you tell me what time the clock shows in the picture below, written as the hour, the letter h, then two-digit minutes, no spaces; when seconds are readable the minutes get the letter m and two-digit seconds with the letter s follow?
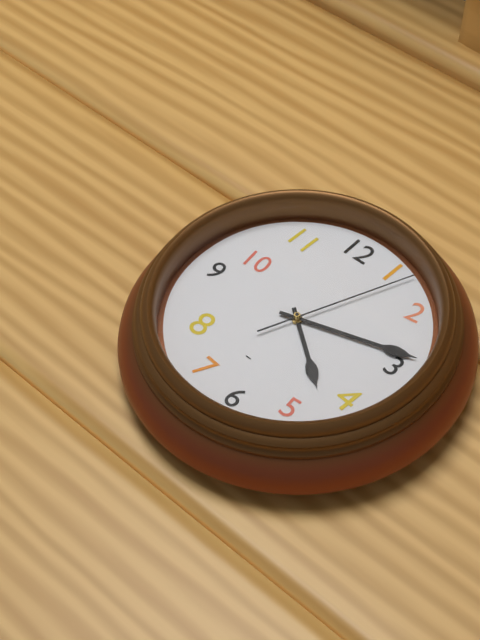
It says 4h12m04s
